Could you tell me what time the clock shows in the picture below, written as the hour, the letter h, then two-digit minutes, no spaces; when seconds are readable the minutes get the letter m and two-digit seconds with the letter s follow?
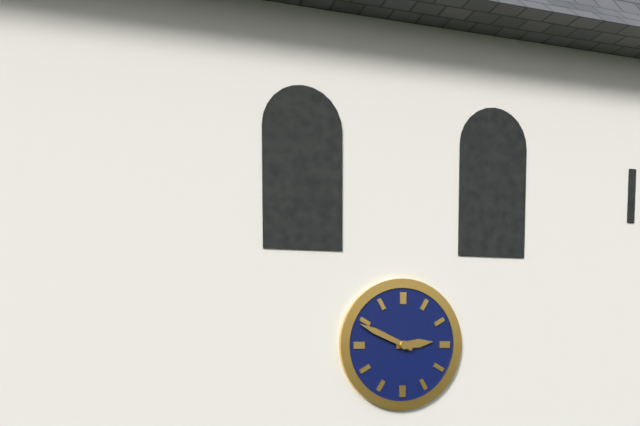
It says 2h49
